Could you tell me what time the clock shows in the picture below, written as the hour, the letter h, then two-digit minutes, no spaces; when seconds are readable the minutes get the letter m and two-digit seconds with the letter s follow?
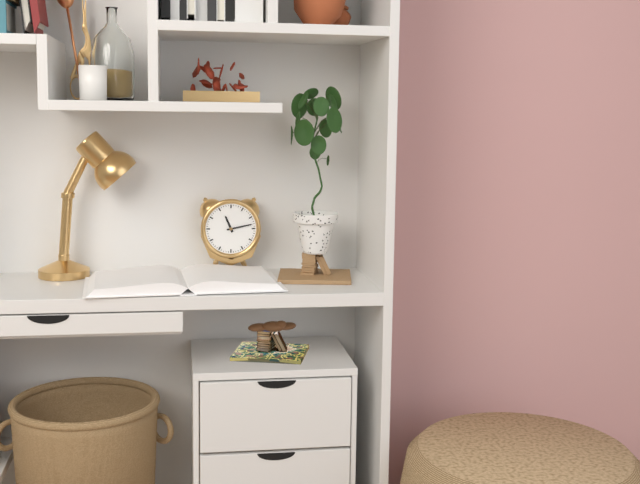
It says 11h13
